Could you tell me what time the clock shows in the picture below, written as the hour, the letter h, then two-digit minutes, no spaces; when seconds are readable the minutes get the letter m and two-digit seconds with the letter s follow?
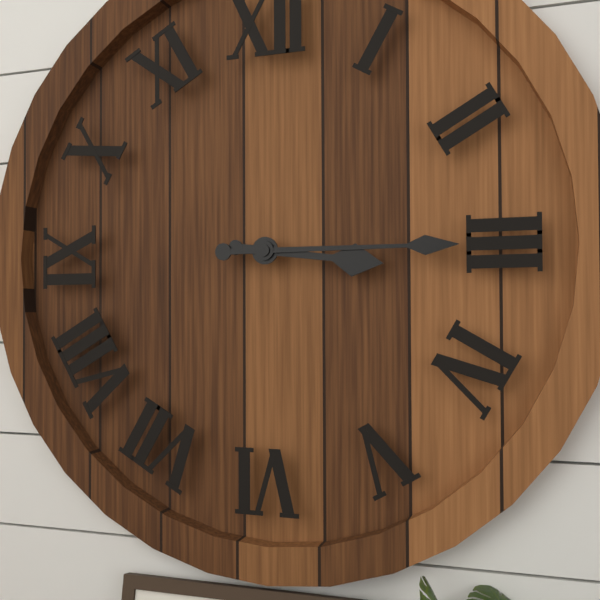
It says 3h15
